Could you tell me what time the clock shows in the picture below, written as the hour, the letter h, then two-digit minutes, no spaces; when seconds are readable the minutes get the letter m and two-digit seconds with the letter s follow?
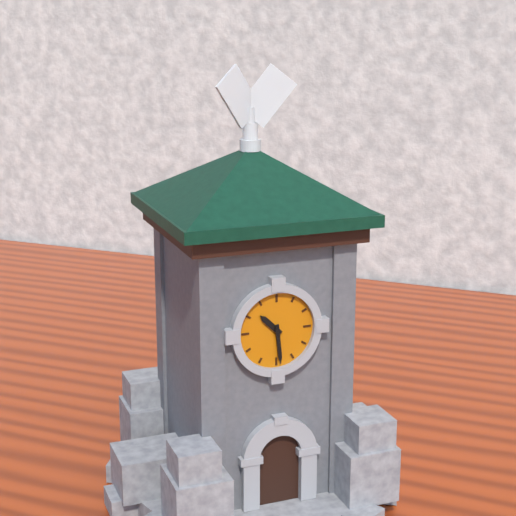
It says 10h29
